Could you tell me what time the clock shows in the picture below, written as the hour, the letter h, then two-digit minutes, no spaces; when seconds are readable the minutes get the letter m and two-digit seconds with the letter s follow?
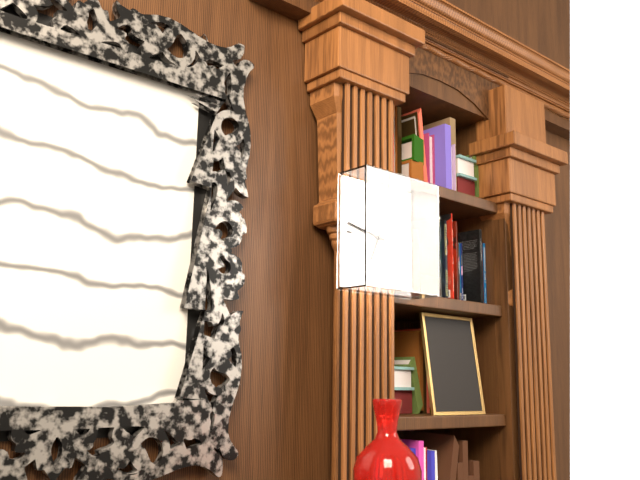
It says 6h47
